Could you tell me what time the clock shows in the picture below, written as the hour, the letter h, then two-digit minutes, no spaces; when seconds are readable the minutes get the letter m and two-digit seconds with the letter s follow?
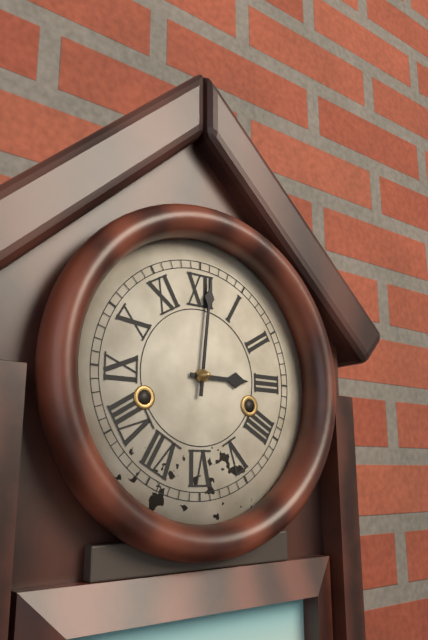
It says 3h01
